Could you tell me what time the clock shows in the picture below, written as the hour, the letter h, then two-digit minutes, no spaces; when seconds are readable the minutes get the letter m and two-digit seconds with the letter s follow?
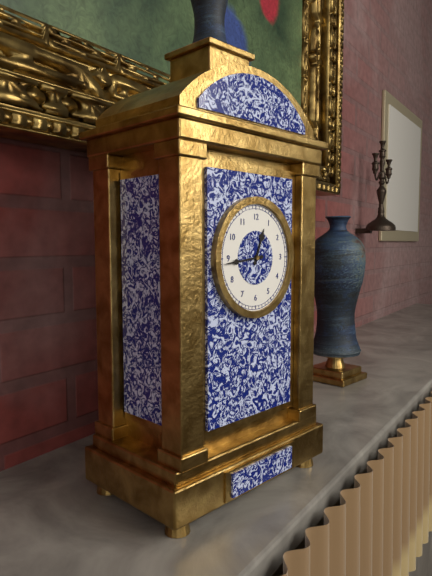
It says 12h44
